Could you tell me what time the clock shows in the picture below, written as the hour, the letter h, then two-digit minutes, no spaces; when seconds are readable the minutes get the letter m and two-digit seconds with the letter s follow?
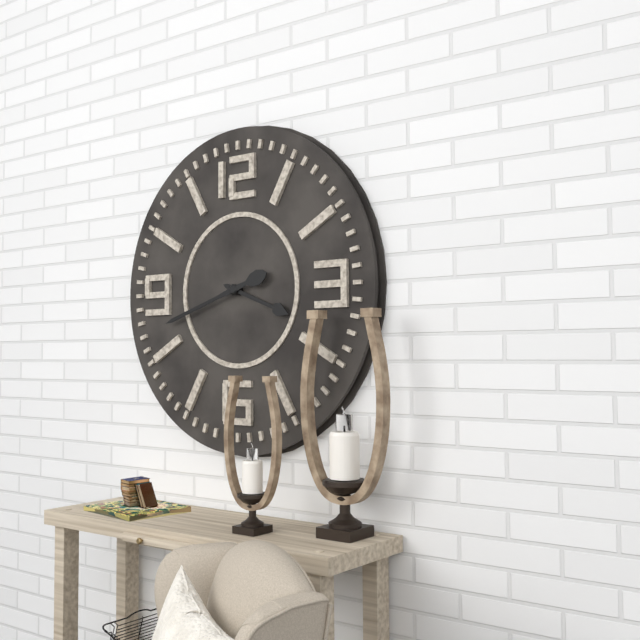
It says 3h42
